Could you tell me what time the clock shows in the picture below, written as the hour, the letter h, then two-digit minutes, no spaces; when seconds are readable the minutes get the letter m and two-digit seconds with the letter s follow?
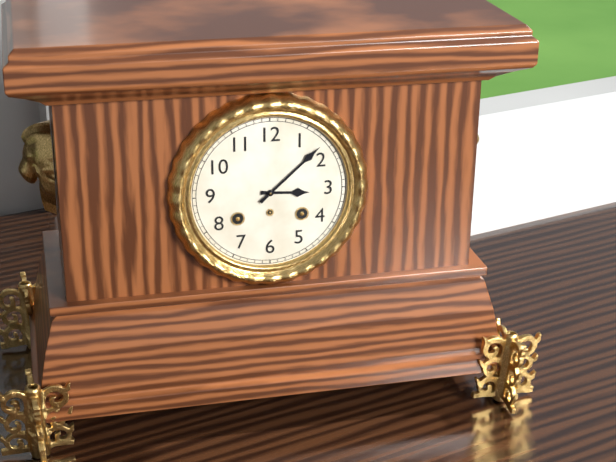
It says 3h08
